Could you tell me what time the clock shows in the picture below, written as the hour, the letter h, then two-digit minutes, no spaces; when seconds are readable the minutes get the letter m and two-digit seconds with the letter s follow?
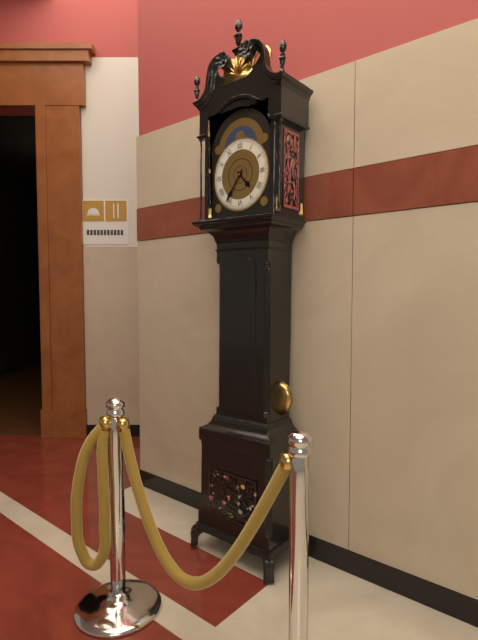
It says 4h36
